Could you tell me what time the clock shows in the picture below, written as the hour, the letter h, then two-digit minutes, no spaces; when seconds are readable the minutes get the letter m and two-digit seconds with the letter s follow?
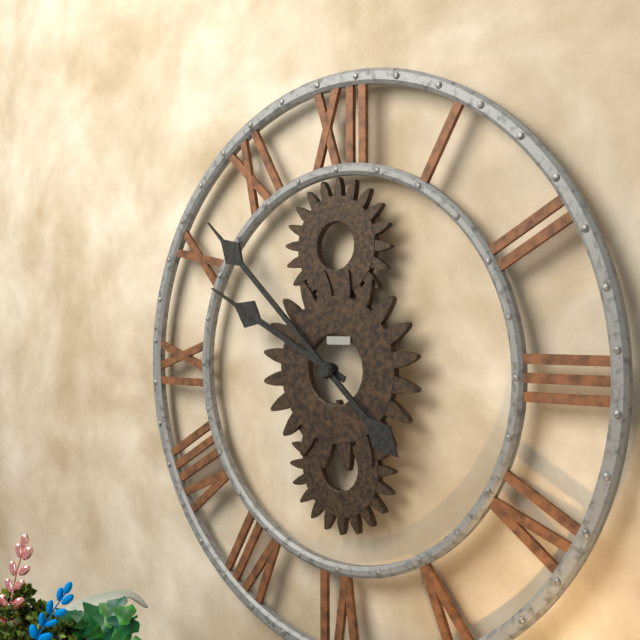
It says 9h52
